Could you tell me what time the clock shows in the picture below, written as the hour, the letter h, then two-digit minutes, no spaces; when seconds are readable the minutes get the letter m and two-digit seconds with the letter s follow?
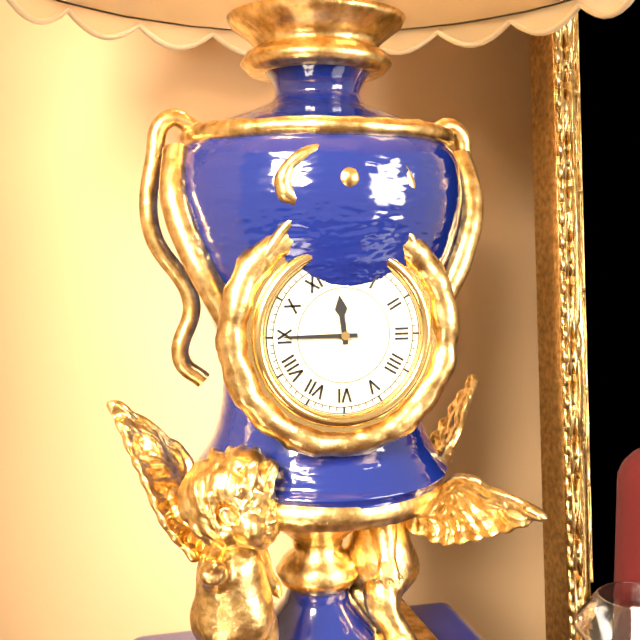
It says 11h45
